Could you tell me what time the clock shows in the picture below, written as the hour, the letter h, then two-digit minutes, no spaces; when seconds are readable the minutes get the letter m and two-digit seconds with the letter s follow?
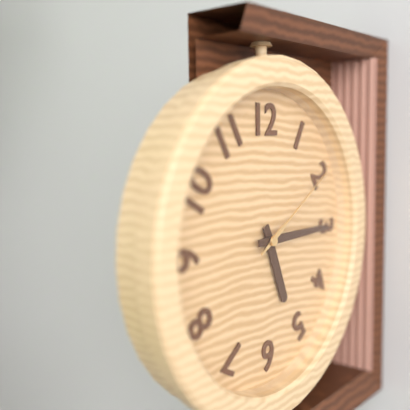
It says 5h15m10s
